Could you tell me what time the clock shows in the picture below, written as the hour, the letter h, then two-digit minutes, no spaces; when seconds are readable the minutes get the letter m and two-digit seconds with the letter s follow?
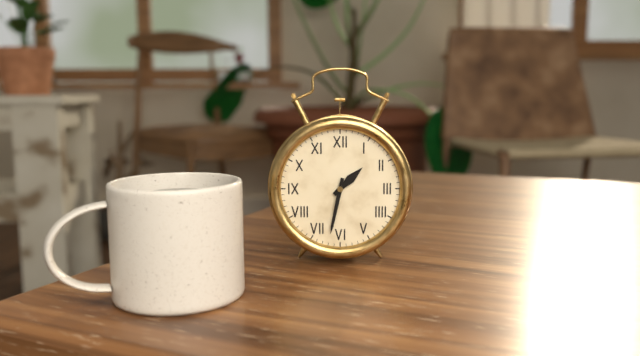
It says 1h32
